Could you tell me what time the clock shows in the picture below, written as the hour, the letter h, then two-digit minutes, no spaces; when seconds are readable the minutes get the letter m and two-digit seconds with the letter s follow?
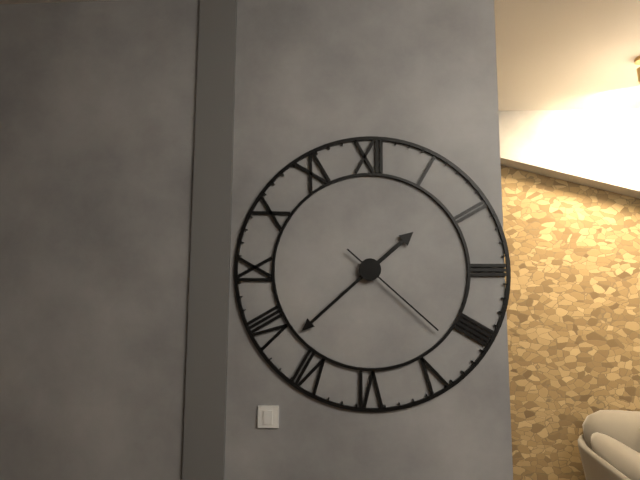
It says 1h38m22s
